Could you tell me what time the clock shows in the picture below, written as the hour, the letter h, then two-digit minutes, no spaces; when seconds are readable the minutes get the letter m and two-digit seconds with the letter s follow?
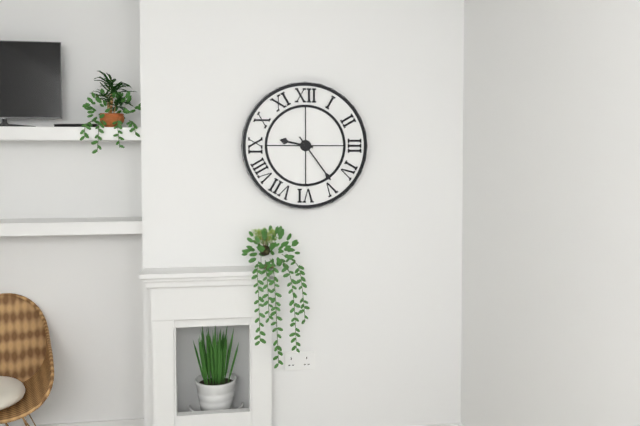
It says 9h24
